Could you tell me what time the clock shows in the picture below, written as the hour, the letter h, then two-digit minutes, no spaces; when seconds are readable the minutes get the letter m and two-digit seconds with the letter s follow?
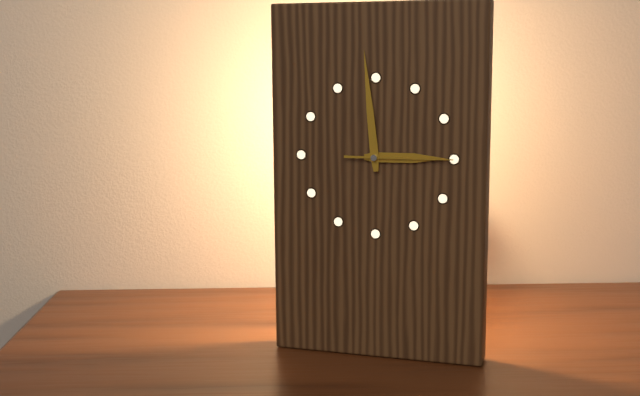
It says 2h59m15s
